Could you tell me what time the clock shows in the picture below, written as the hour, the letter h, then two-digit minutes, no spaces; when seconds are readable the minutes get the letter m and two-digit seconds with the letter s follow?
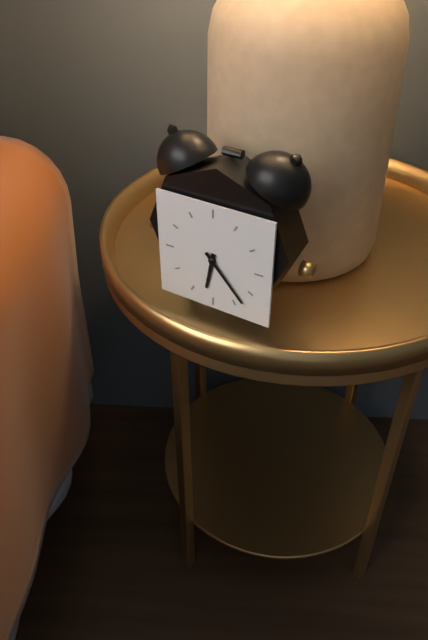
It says 6h23
